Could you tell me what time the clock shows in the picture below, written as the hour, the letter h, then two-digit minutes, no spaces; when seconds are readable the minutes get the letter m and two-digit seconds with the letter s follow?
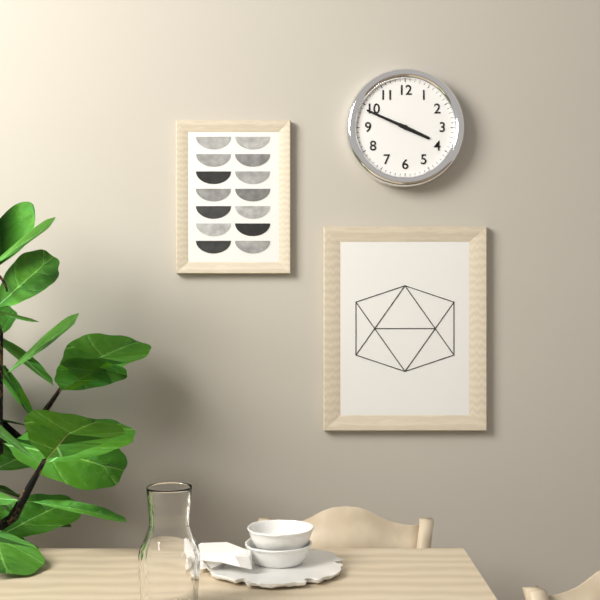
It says 3h49
